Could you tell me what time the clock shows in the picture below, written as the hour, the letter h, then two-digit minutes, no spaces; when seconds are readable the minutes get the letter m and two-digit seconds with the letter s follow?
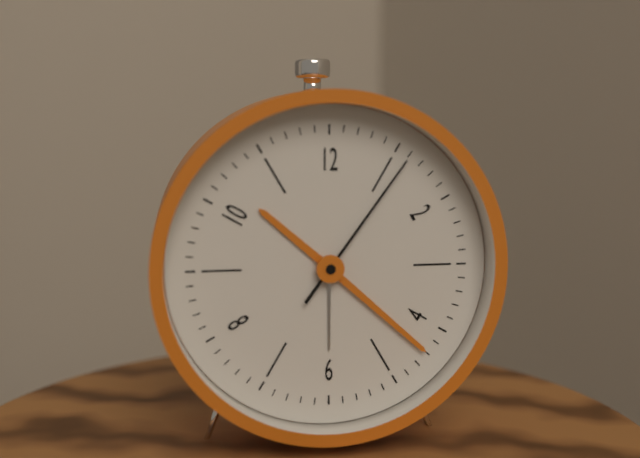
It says 10h22m06s
